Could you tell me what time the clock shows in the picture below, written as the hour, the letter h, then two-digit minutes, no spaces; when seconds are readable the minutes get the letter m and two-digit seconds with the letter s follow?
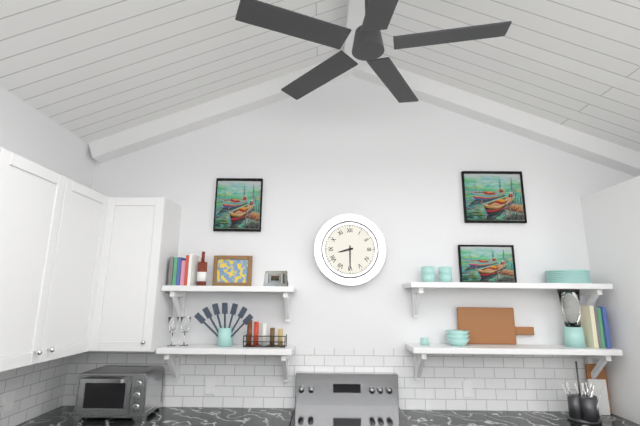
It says 8h30
